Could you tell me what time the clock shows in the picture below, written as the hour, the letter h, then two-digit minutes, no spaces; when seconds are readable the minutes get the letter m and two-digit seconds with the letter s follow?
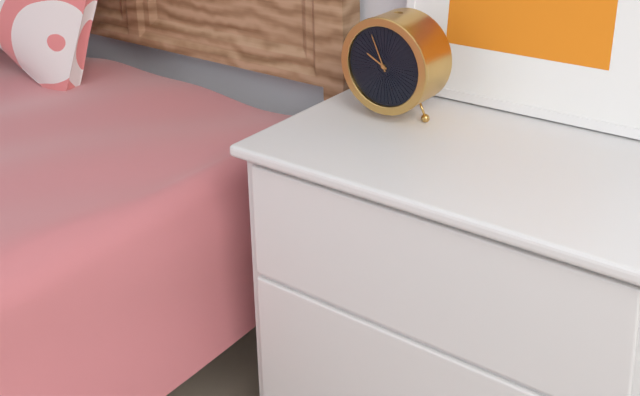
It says 9h56
